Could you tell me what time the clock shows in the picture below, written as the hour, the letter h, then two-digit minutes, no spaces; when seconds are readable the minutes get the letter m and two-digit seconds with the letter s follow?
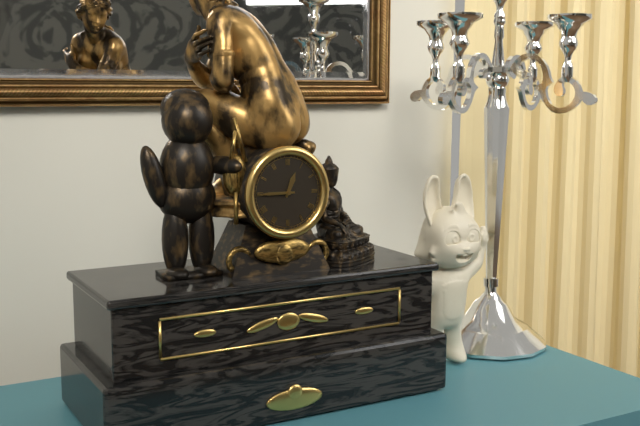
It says 12h45
